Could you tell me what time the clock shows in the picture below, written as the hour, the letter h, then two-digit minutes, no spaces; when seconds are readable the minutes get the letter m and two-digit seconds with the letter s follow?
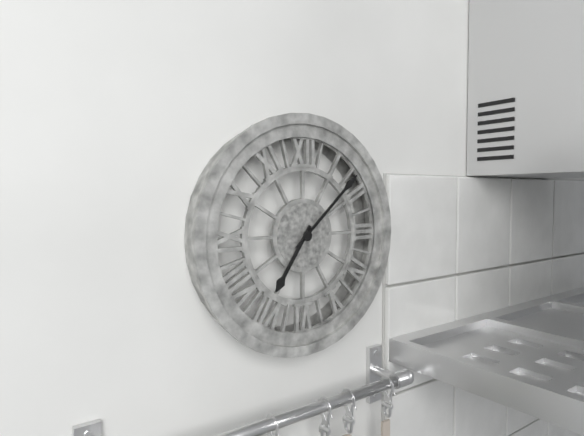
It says 7h08
